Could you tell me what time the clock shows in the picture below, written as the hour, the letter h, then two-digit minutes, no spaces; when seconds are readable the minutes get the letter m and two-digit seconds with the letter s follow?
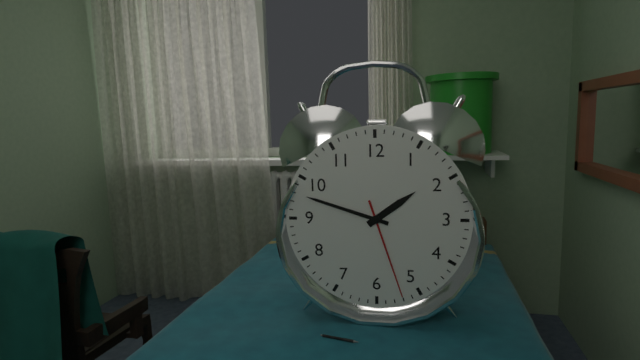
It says 1h48m27s
